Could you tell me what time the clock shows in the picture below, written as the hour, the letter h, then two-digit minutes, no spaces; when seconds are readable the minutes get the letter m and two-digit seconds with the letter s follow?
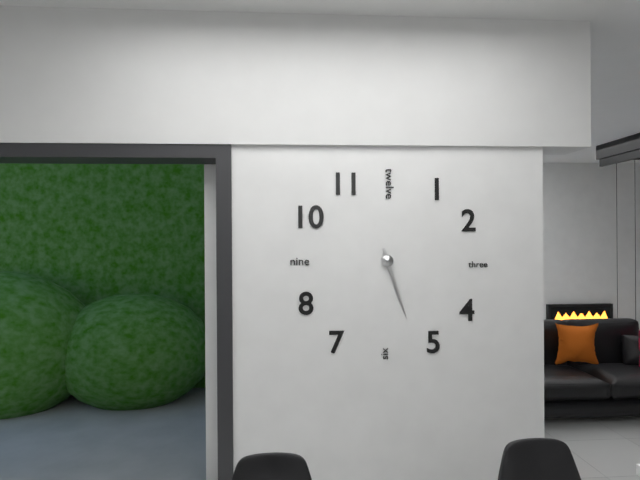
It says 5h27
